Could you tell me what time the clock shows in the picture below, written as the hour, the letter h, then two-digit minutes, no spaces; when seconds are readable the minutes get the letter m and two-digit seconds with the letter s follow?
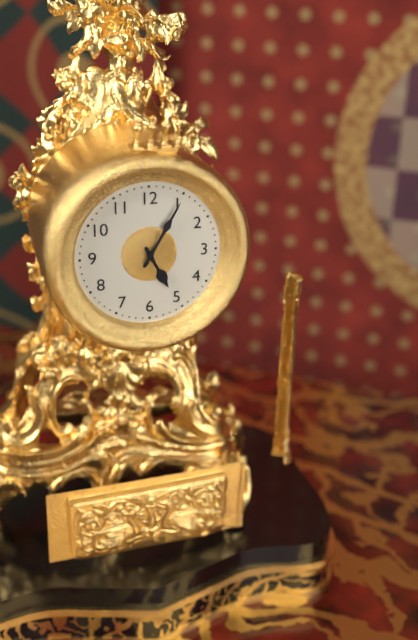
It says 5h05
